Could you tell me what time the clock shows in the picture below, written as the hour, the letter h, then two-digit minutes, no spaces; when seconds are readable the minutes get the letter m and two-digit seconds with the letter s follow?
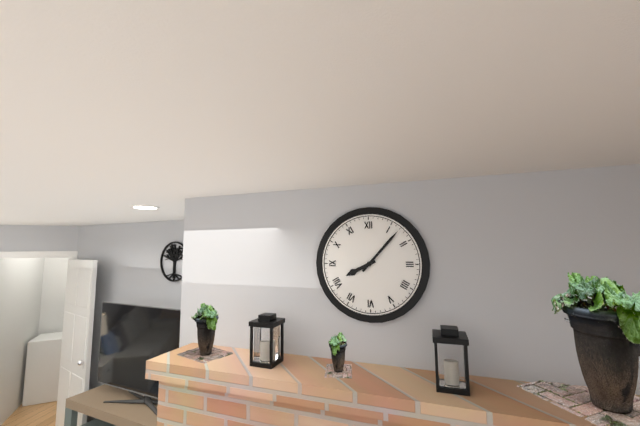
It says 8h07
